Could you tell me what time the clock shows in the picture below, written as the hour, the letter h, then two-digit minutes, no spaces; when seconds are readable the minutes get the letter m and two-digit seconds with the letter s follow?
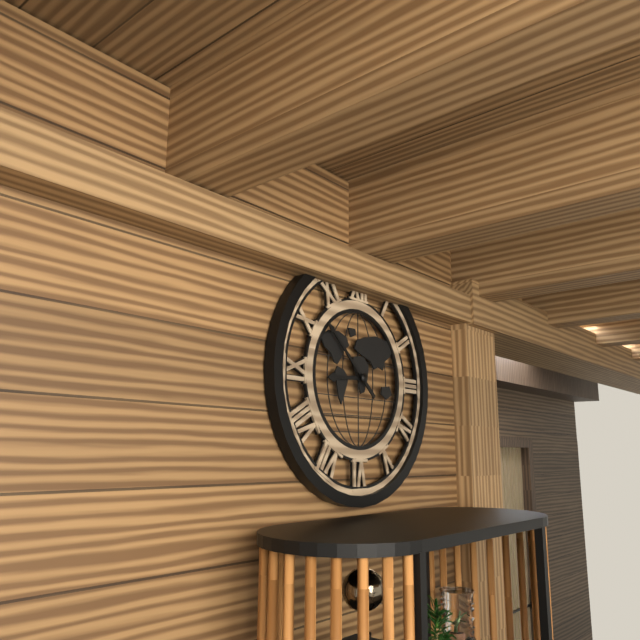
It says 8h52
